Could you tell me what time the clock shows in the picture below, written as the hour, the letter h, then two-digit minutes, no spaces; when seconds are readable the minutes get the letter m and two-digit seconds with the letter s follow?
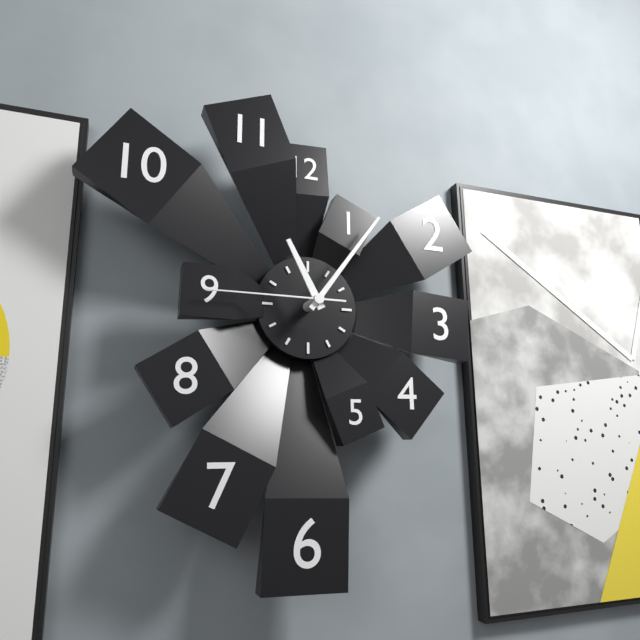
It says 11h06m45s
